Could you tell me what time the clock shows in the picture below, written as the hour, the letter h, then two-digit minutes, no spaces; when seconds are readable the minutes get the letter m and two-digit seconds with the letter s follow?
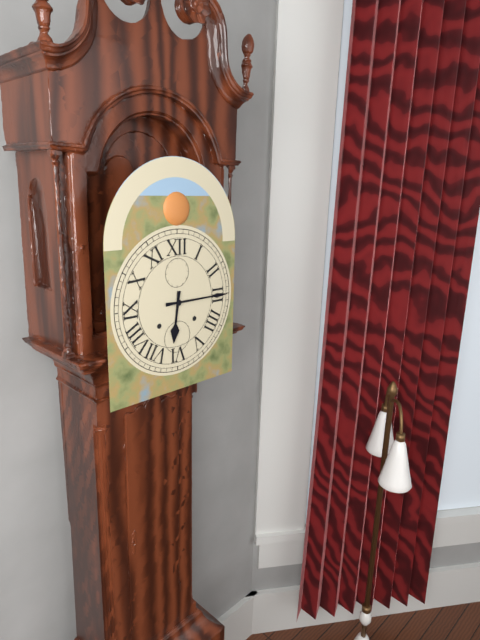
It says 6h15
